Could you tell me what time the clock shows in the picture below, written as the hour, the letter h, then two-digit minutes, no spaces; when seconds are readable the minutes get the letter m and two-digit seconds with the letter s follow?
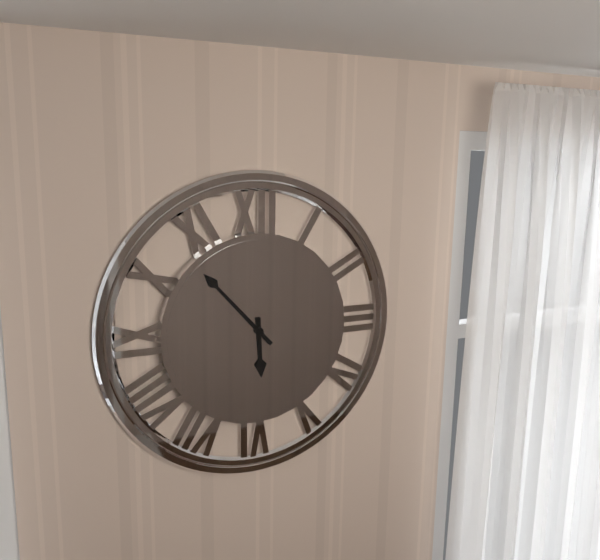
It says 5h53
